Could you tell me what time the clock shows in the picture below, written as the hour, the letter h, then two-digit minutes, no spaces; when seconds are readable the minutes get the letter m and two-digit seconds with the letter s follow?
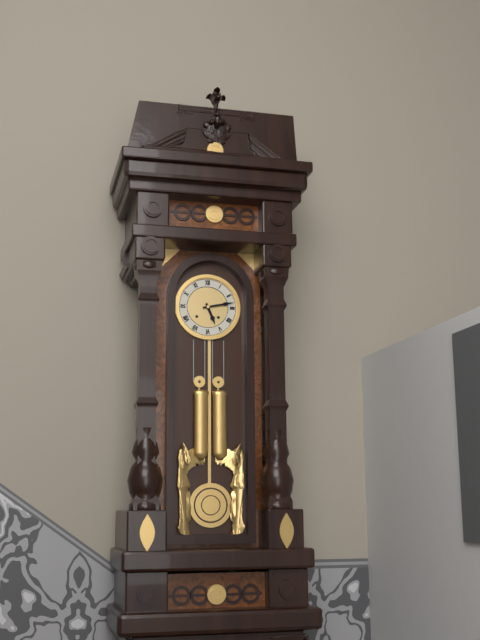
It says 5h13
